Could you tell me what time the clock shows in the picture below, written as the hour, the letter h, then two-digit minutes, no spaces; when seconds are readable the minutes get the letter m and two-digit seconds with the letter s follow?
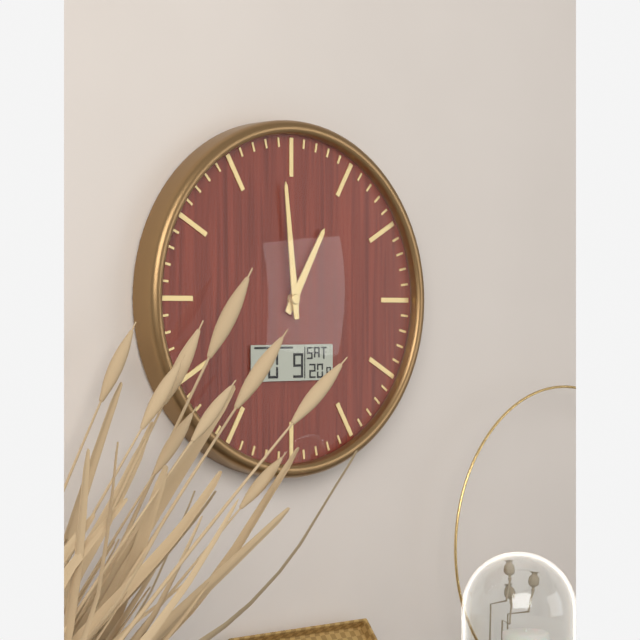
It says 12h59
